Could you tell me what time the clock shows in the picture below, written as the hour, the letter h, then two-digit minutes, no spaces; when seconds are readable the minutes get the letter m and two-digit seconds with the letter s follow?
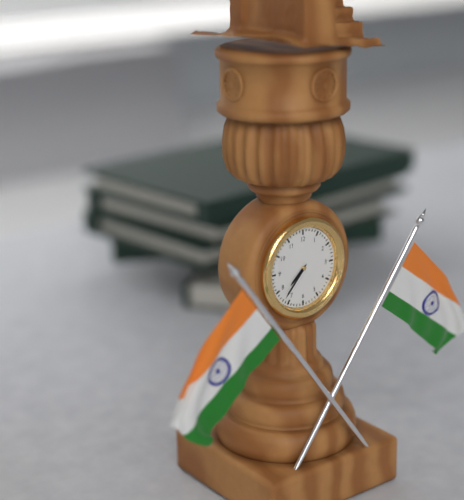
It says 7h37
